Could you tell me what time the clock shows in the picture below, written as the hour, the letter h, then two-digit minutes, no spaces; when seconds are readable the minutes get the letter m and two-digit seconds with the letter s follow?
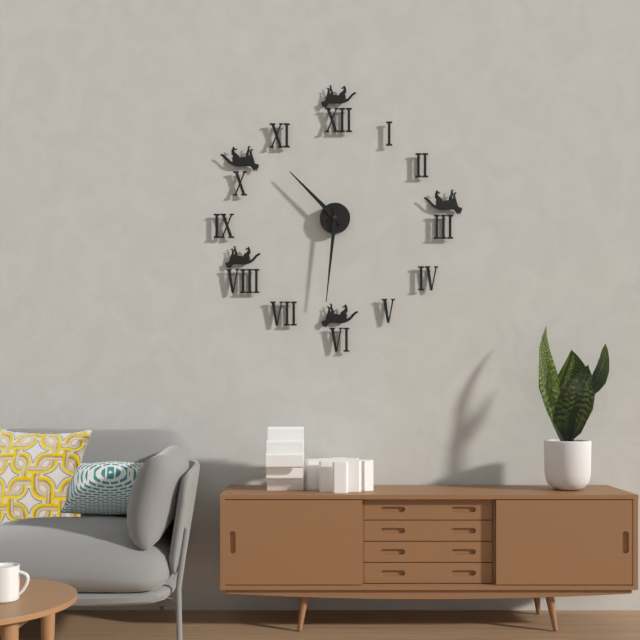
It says 10h31
